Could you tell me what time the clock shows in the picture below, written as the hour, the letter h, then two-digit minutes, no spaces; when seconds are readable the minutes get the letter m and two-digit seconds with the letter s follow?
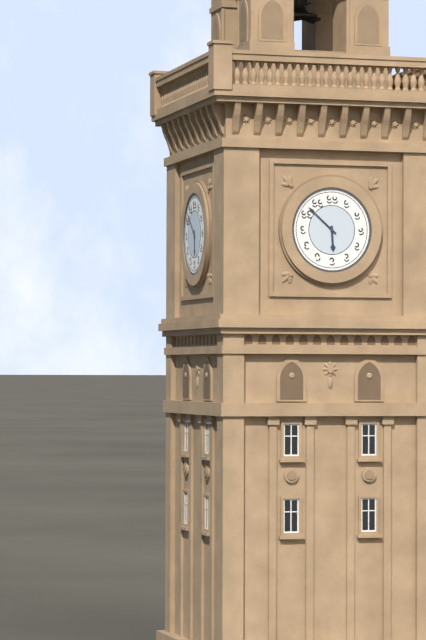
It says 5h52
